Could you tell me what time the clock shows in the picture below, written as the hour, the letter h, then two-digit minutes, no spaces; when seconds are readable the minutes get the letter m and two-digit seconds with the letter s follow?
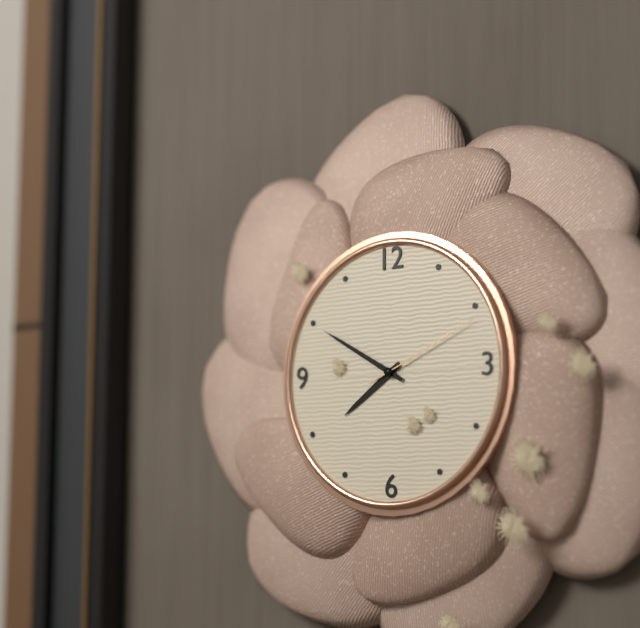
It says 7h50m11s
